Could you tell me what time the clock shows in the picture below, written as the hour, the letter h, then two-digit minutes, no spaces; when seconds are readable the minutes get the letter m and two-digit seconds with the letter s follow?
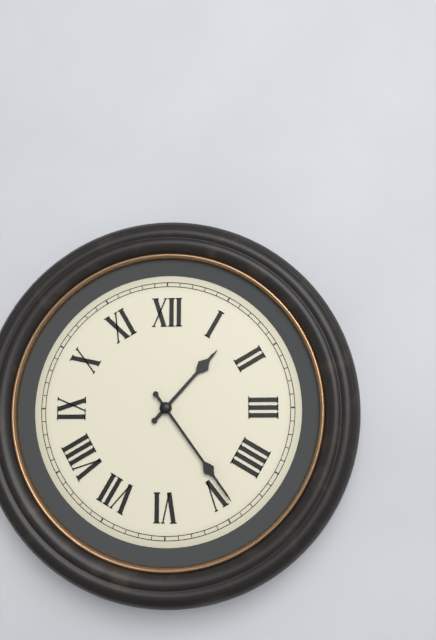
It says 1h24
